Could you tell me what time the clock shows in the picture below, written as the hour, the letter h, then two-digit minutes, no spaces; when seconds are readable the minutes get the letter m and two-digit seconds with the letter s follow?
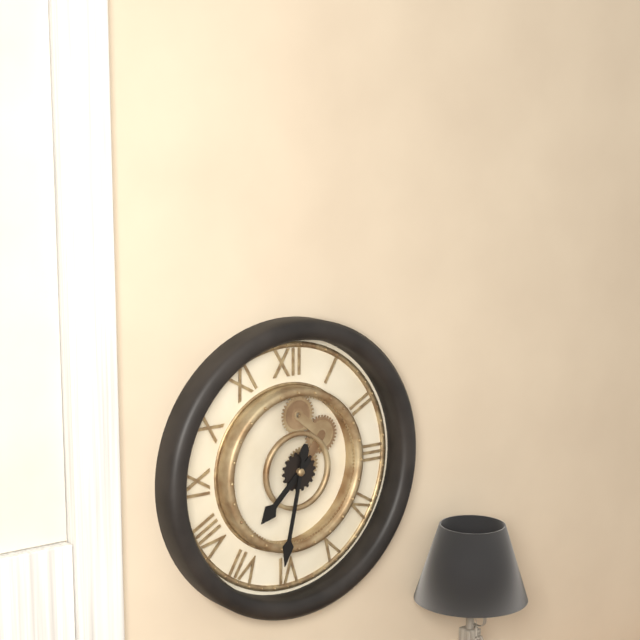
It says 7h32
